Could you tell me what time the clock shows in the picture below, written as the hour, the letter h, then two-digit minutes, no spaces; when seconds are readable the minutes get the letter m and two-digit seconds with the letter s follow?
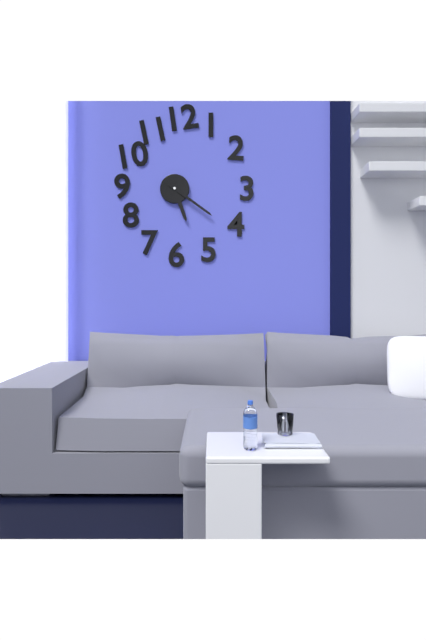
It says 5h21
